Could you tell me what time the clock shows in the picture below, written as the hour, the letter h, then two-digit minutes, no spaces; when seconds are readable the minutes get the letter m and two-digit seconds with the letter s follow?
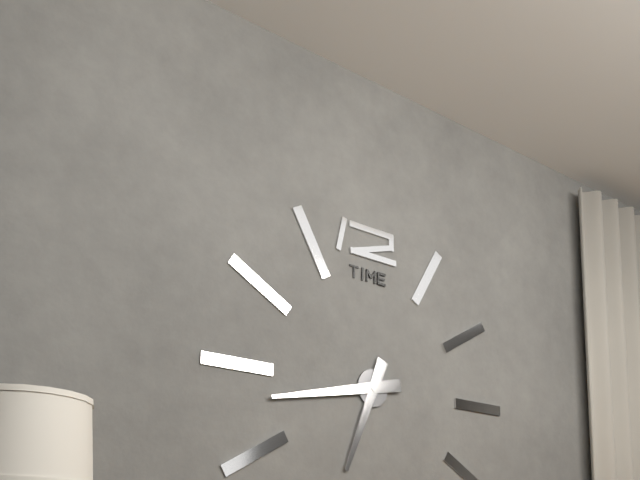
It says 6h43
